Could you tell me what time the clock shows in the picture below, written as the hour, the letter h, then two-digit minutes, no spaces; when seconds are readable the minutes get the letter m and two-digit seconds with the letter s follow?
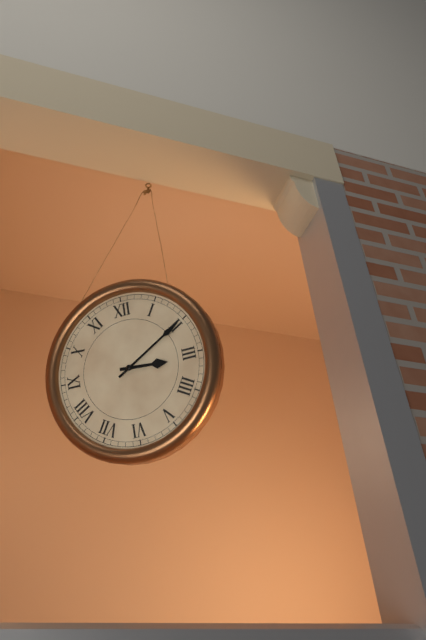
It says 3h10
